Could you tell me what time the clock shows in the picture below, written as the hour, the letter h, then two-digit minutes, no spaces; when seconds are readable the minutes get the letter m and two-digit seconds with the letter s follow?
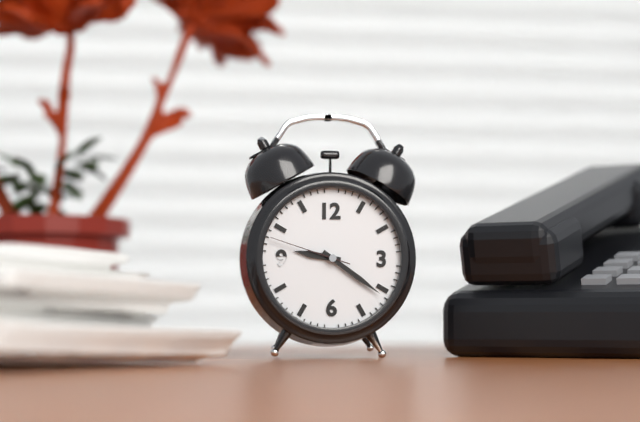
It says 9h21m48s
